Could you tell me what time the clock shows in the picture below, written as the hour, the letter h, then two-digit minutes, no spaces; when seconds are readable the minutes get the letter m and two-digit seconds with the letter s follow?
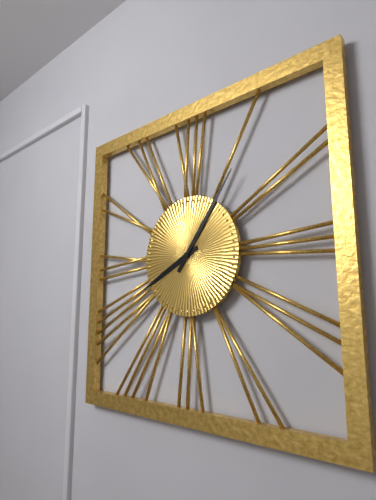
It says 8h06
